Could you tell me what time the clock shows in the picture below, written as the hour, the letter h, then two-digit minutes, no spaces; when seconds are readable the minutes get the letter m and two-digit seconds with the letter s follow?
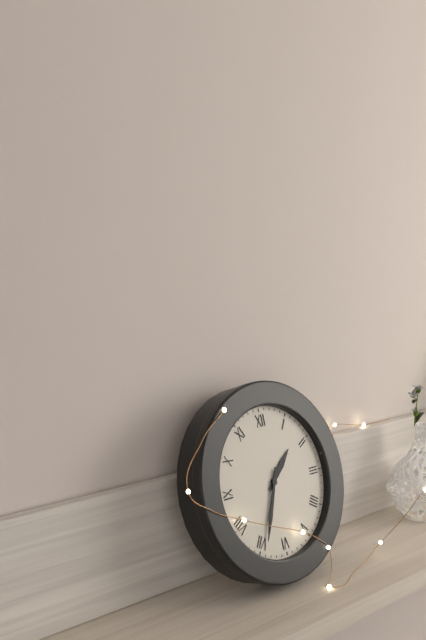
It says 1h34
